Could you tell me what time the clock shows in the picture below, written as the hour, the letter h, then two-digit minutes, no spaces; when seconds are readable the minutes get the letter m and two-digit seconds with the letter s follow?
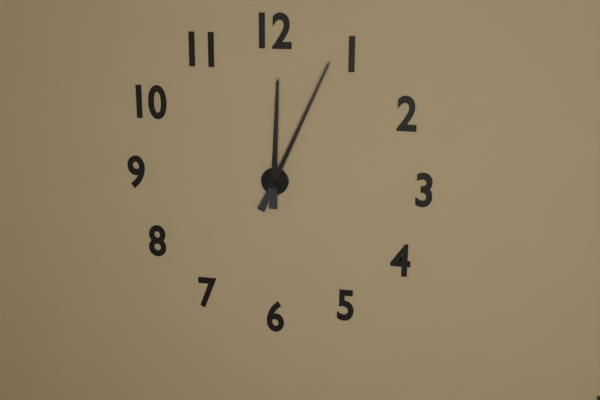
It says 12h04
